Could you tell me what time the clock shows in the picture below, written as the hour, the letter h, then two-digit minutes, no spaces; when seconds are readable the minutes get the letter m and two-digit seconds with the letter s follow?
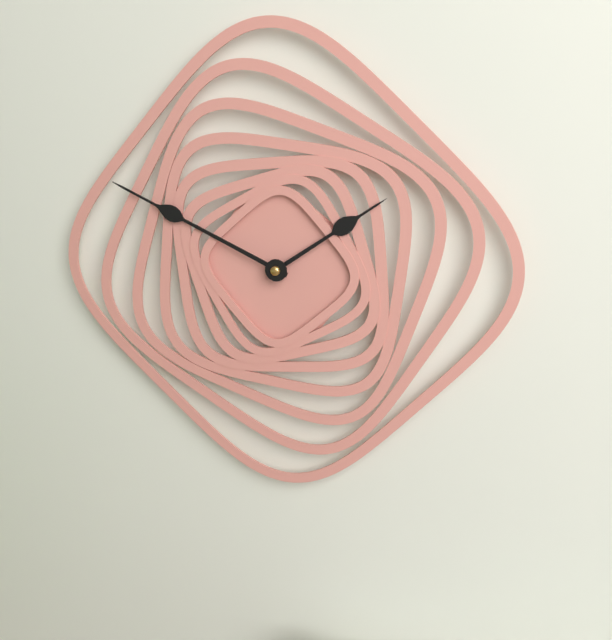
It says 1h49
